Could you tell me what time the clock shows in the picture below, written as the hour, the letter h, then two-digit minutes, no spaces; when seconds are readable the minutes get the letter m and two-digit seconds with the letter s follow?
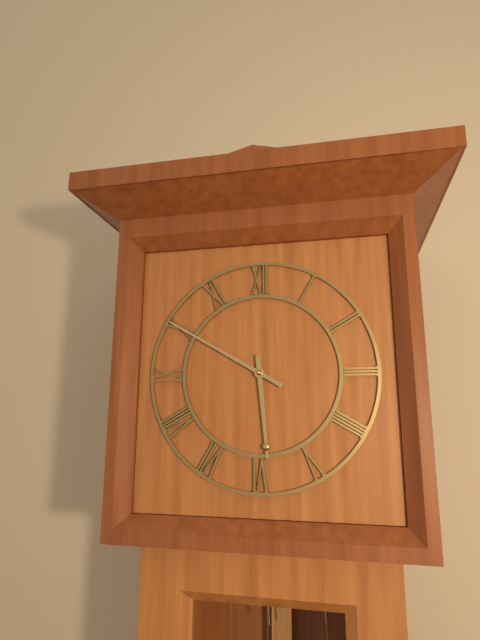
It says 5h50
